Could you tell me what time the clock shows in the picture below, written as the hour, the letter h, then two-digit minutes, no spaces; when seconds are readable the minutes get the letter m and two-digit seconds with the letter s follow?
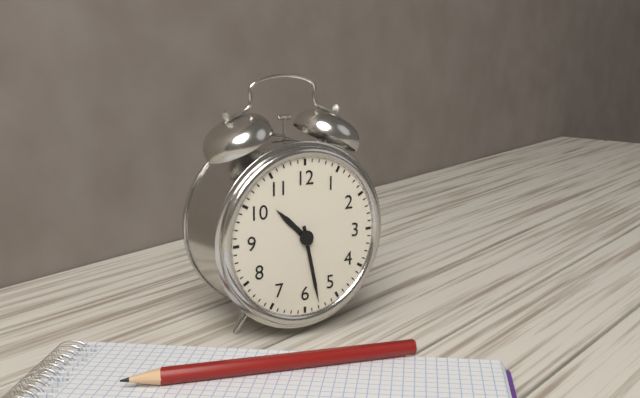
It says 10h28
